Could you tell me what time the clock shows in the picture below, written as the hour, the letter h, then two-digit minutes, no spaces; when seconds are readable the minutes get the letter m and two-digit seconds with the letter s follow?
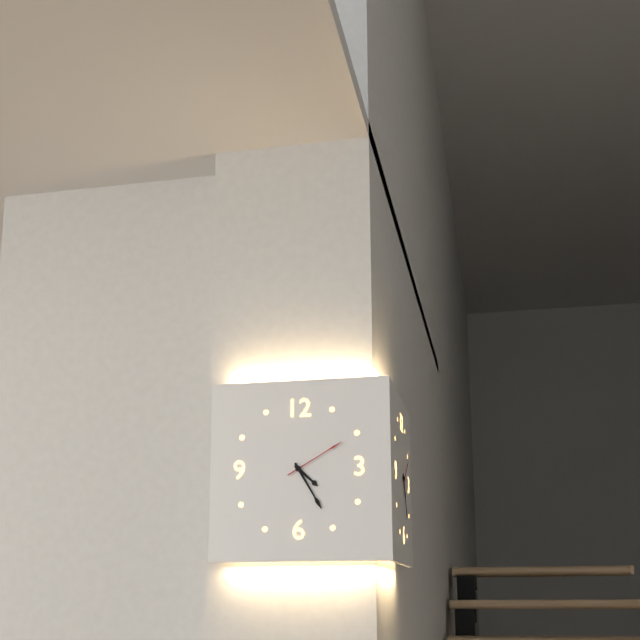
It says 4h25m10s
